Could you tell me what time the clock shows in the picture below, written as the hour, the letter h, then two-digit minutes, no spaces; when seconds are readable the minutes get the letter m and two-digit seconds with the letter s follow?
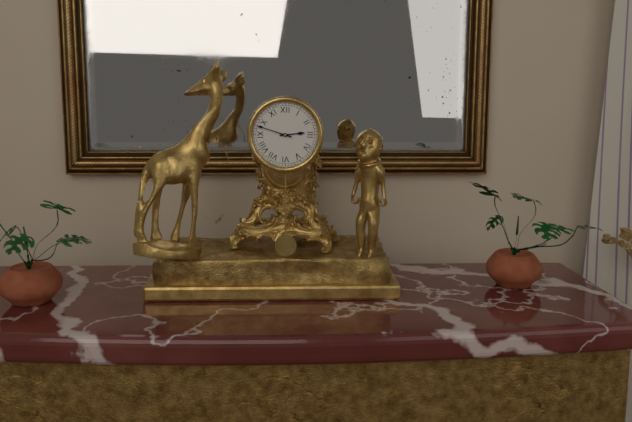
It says 2h48
